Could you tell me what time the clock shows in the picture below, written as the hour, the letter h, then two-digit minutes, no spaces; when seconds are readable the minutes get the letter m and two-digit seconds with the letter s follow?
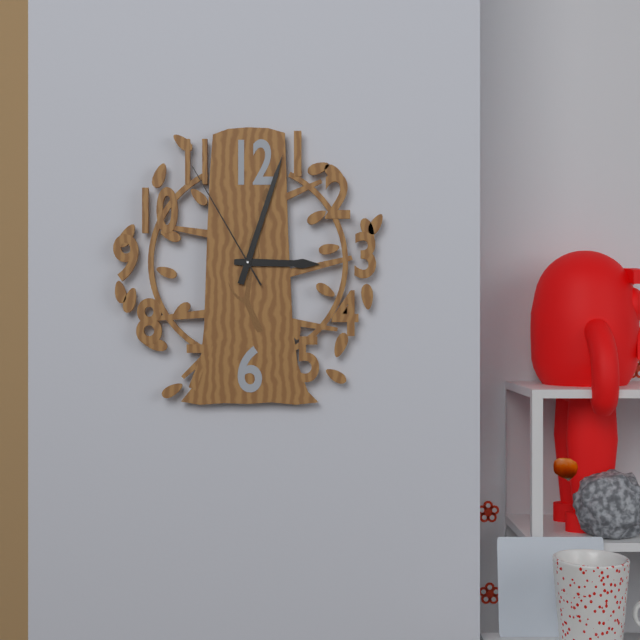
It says 3h03m55s
